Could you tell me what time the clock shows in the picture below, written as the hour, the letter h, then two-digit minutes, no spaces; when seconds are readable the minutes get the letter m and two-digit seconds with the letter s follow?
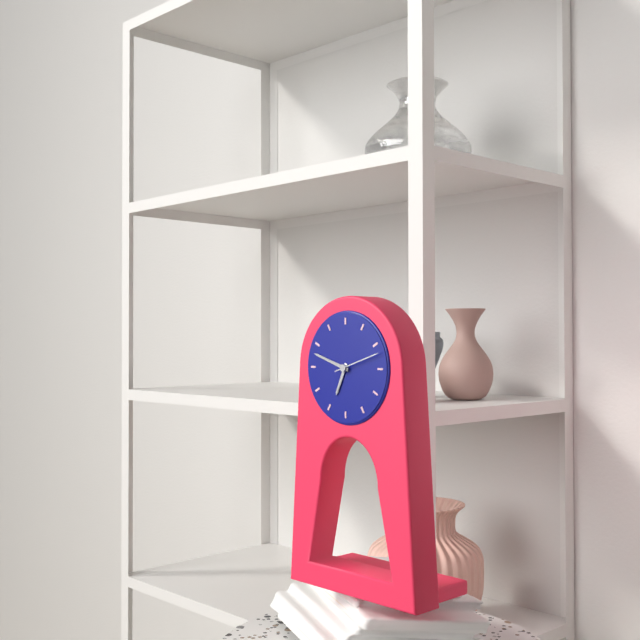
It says 6h48
